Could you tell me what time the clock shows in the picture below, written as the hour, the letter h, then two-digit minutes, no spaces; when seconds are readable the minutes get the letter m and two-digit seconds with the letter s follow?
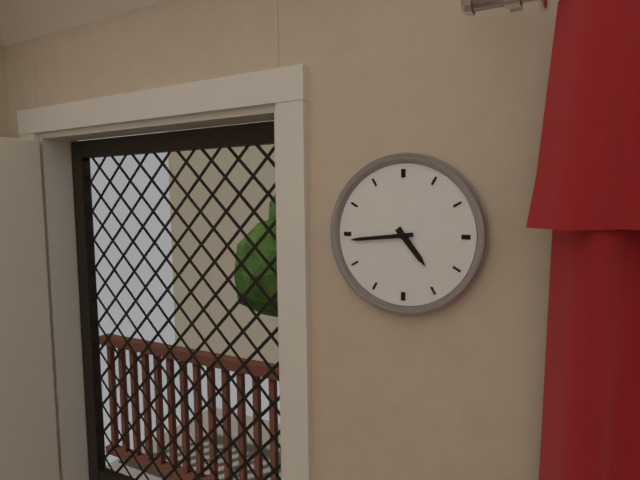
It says 4h44
